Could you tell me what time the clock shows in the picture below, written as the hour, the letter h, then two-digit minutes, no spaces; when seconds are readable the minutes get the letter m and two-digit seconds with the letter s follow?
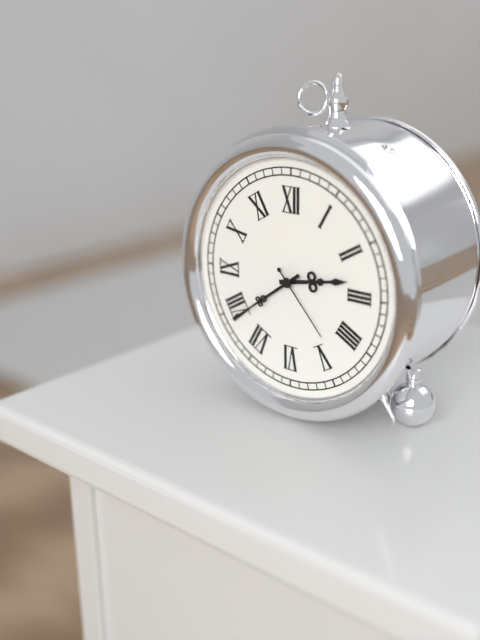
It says 2h39m23s
